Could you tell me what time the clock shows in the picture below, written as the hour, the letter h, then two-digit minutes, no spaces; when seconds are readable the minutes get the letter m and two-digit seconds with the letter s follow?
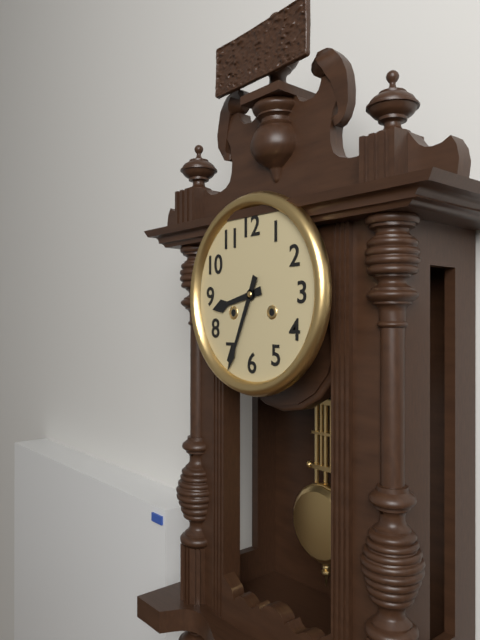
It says 8h34
